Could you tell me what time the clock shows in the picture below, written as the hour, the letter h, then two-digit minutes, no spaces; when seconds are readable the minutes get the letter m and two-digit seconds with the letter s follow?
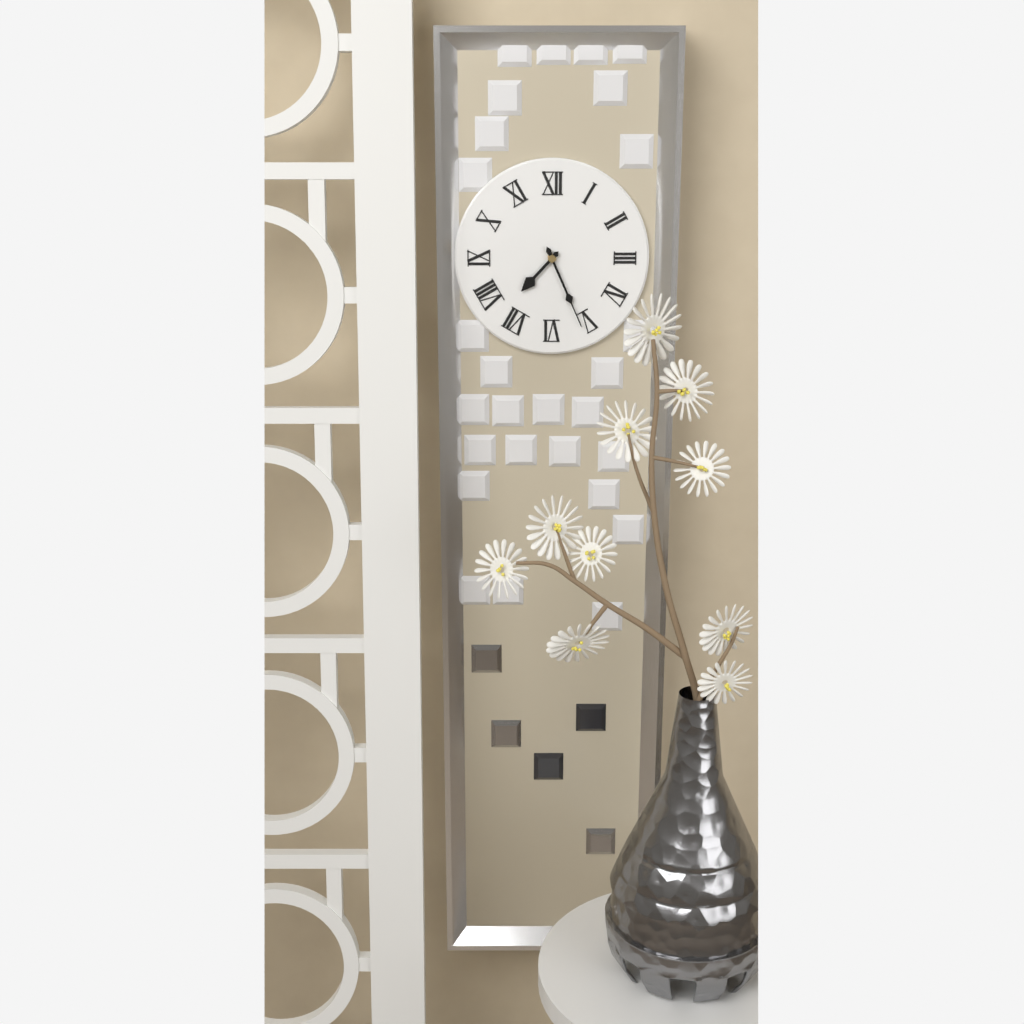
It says 7h26
